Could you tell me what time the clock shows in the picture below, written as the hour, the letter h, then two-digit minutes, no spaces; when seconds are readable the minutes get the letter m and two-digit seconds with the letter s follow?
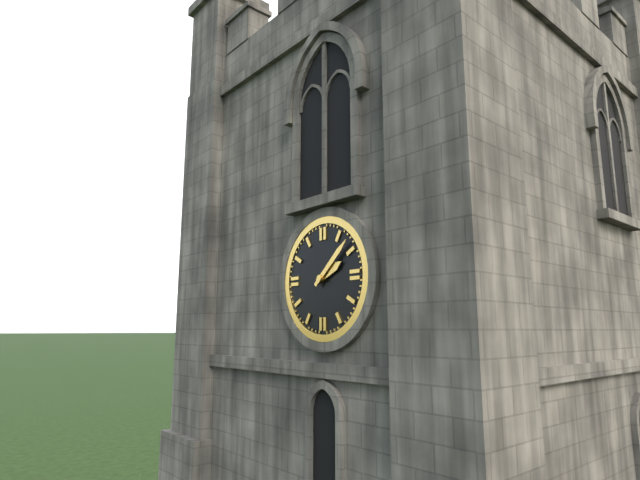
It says 2h08
